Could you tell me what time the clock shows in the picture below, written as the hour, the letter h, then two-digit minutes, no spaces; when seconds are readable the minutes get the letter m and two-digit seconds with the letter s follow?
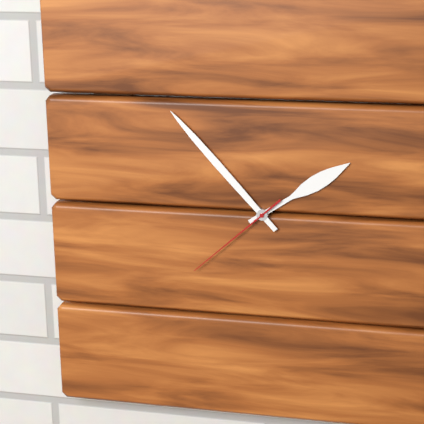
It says 1h53m38s
